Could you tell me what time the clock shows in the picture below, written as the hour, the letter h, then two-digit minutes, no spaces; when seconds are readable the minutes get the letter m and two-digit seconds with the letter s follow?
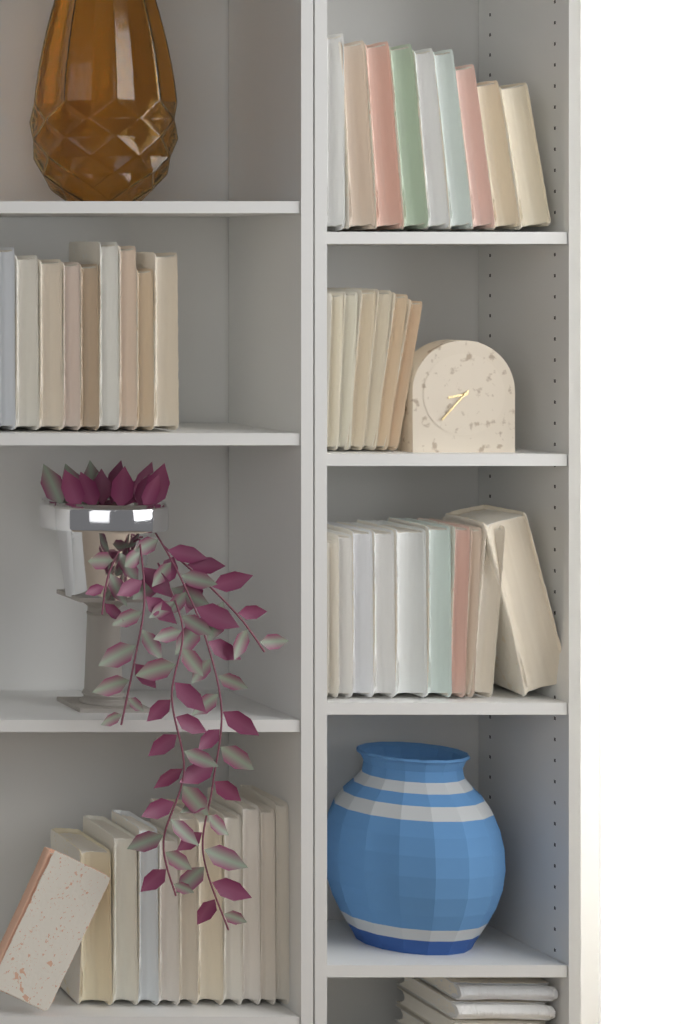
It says 8h37
